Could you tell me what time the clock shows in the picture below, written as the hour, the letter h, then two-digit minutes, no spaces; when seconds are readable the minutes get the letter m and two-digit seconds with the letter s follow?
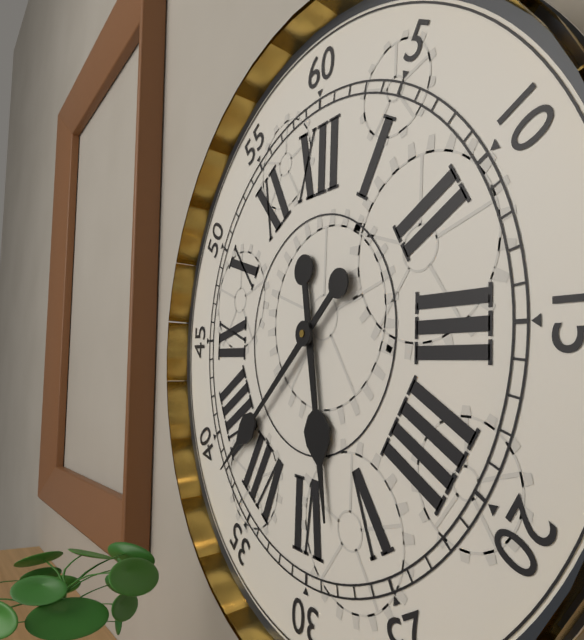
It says 5h38
